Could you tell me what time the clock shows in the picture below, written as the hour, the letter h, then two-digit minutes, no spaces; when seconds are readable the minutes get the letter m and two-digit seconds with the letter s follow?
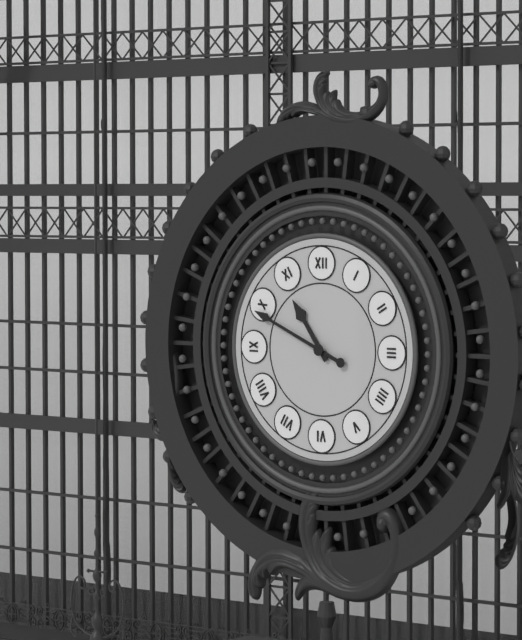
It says 10h49
